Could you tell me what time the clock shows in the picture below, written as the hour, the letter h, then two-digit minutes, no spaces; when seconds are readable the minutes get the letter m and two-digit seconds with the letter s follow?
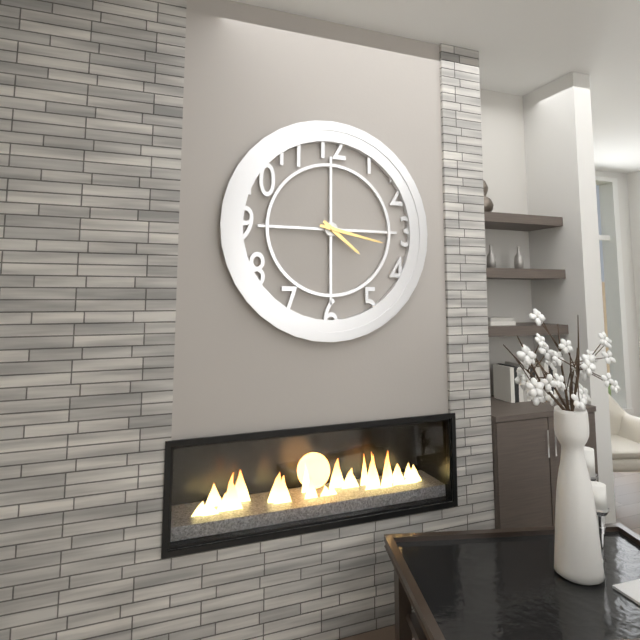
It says 4h17
